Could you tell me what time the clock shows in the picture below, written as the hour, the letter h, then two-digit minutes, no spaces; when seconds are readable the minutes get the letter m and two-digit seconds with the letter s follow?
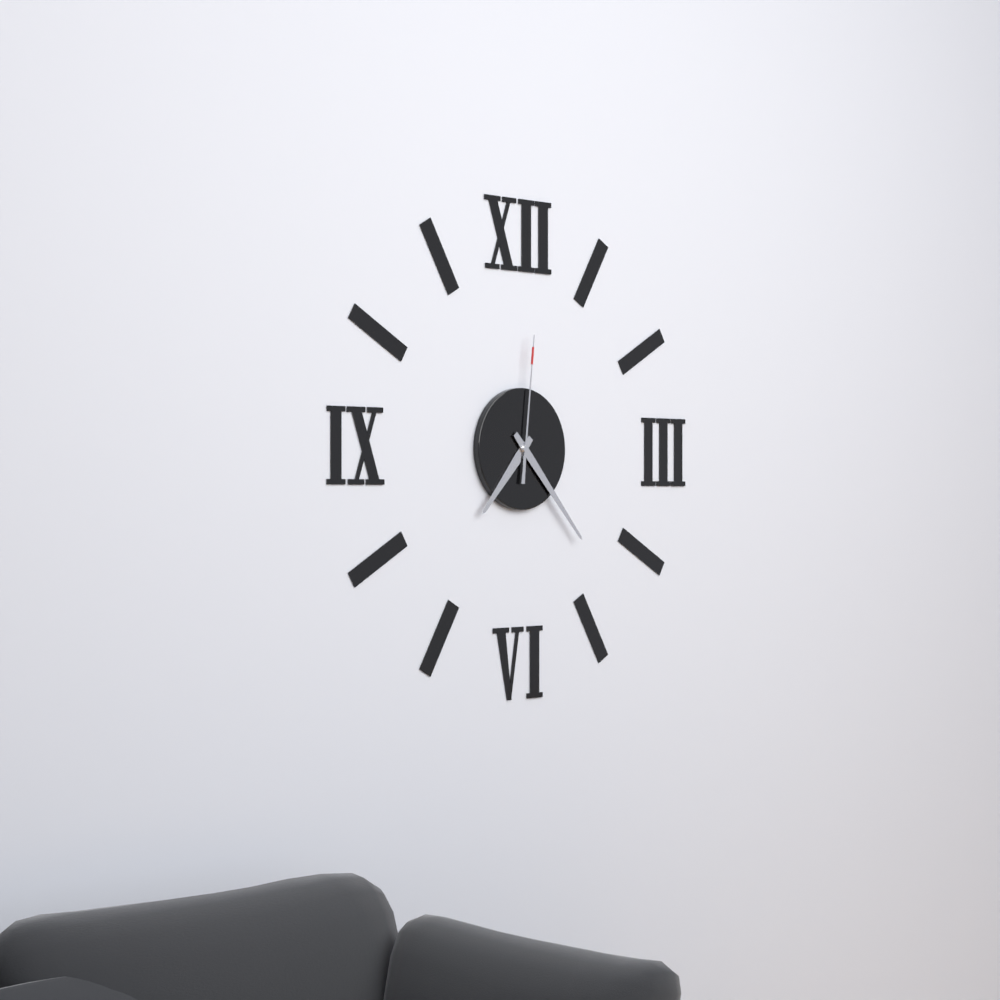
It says 7h23m01s
